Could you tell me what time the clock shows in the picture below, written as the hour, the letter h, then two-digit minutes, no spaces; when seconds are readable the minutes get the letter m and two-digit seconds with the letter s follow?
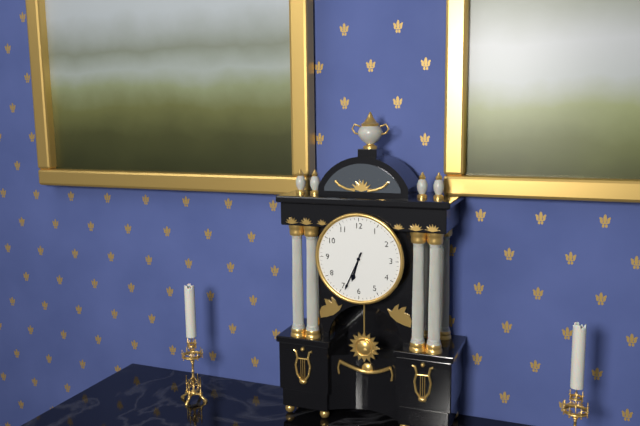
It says 6h34
